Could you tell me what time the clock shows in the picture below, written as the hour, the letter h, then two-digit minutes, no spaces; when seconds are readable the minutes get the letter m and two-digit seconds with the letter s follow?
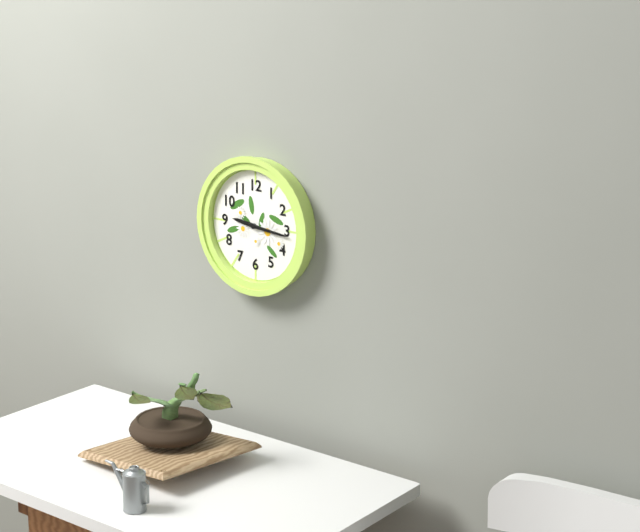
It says 9h16
